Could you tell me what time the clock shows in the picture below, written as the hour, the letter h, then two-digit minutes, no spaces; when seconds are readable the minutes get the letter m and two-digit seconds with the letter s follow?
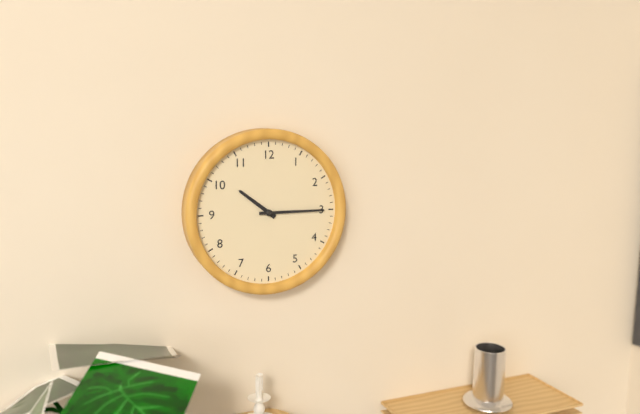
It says 10h15
